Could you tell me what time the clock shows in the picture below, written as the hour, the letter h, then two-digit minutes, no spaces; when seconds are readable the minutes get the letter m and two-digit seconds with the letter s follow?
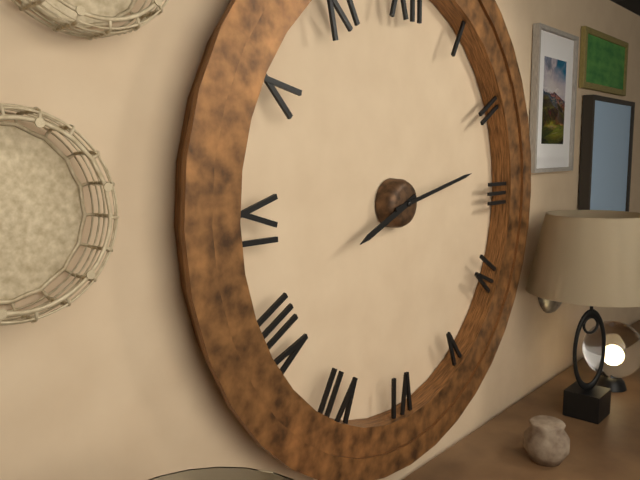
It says 8h13
